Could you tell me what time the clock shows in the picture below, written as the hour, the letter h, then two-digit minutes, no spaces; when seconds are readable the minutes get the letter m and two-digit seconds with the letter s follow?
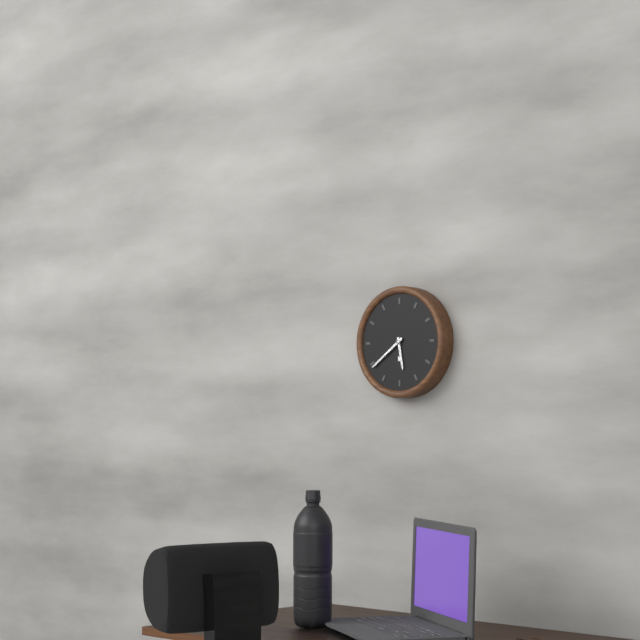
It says 5h39
